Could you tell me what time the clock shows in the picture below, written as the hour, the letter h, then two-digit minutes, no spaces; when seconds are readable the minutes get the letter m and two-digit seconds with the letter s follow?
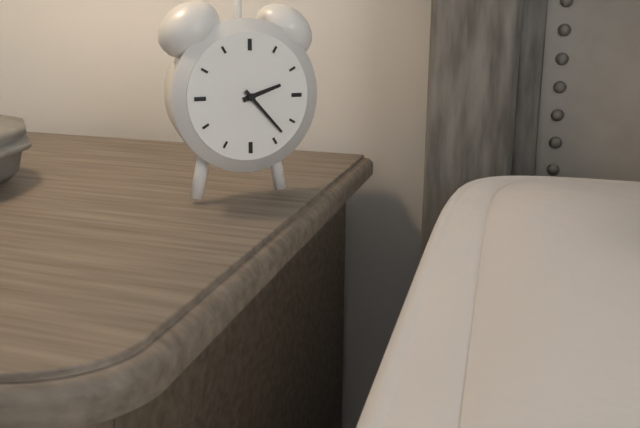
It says 2h23
